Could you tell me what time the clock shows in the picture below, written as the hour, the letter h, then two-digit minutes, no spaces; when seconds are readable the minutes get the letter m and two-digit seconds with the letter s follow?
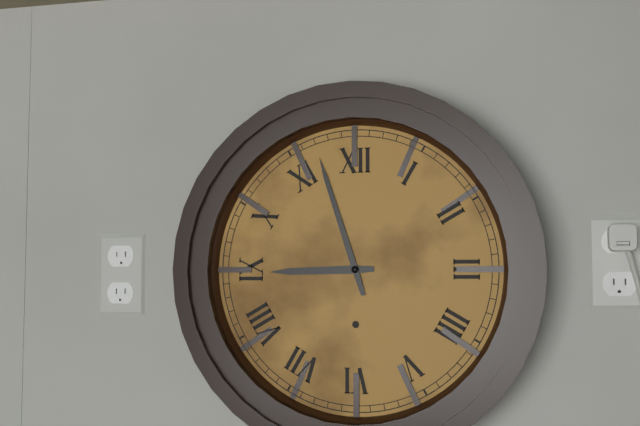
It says 8h57
